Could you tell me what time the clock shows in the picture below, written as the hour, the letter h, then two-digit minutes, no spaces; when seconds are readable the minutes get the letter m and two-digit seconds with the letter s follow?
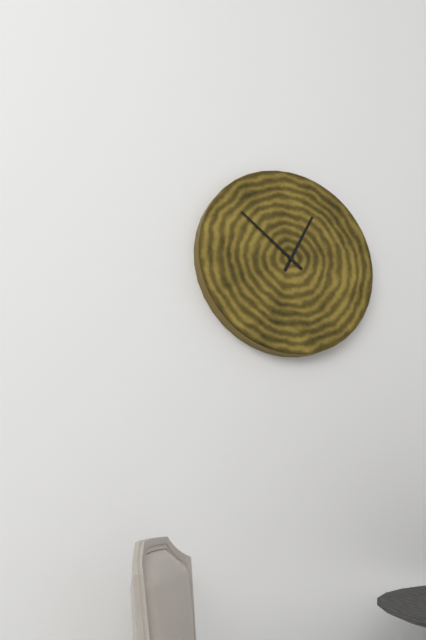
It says 12h51
